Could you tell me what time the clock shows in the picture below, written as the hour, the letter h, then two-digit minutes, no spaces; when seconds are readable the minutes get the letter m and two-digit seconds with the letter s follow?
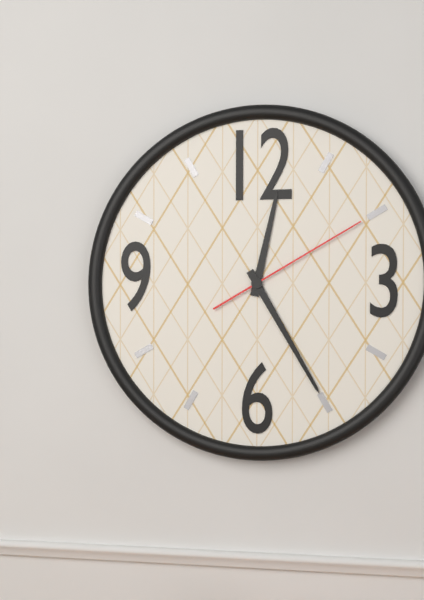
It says 12h25m10s
